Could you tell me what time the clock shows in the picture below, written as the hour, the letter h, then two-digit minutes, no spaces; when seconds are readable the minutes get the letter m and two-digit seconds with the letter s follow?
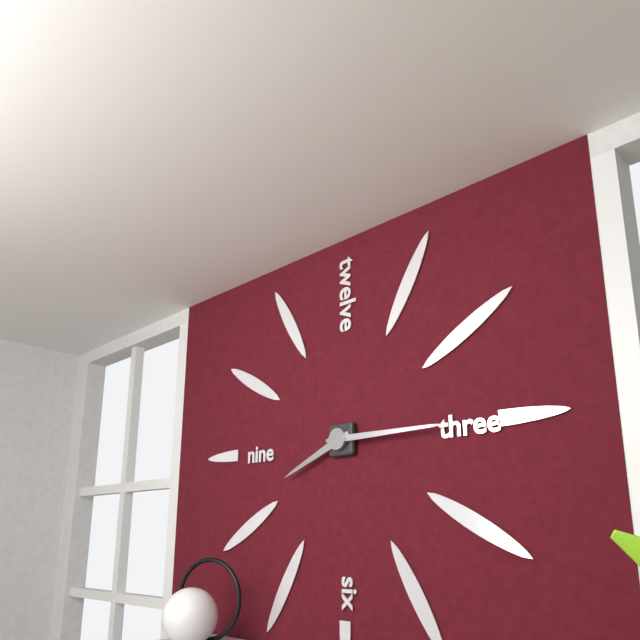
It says 8h15
